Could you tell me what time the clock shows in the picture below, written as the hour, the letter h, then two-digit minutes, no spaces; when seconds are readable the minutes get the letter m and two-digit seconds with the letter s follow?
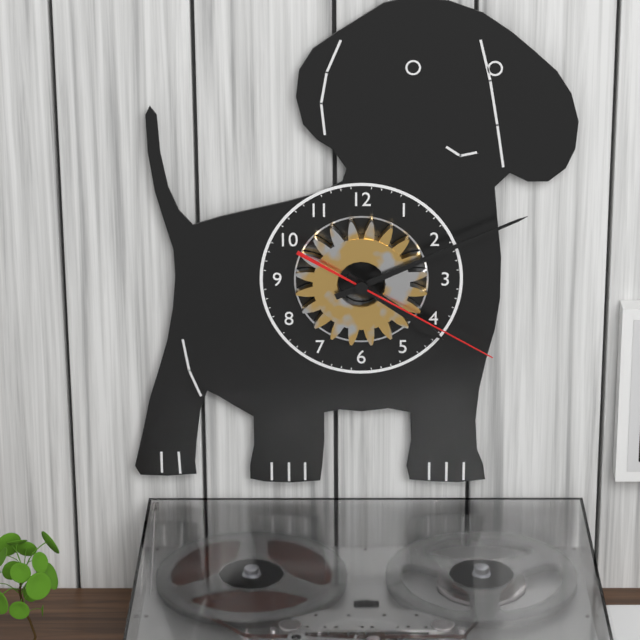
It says 4h11m20s
